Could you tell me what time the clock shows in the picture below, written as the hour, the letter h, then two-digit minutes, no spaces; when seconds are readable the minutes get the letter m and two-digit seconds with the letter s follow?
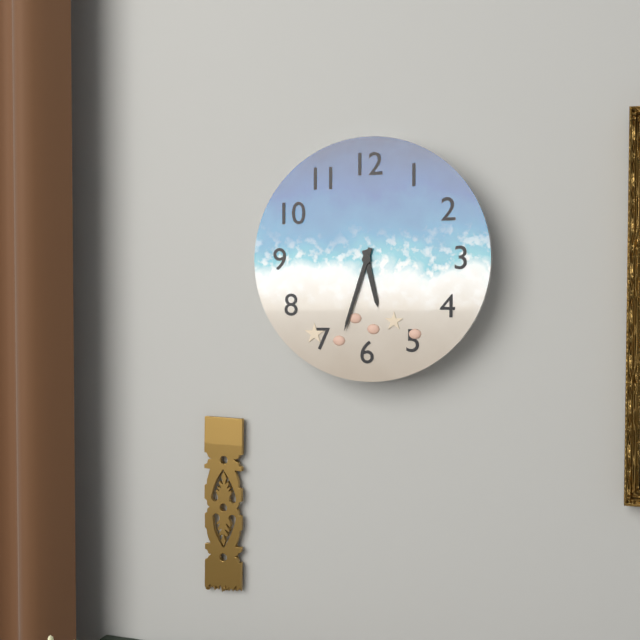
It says 5h33
